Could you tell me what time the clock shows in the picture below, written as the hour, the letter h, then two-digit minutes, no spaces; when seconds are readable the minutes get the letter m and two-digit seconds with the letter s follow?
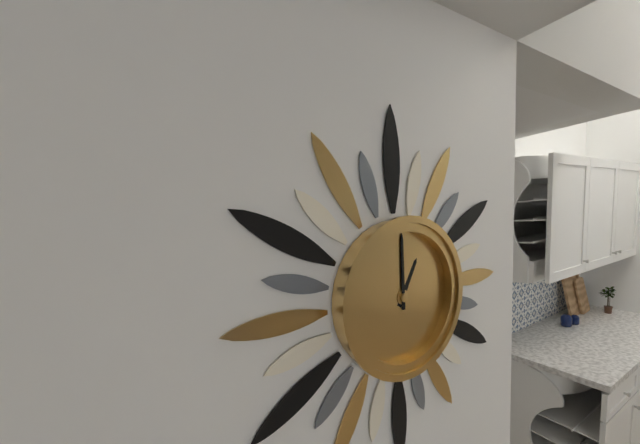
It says 1h00
